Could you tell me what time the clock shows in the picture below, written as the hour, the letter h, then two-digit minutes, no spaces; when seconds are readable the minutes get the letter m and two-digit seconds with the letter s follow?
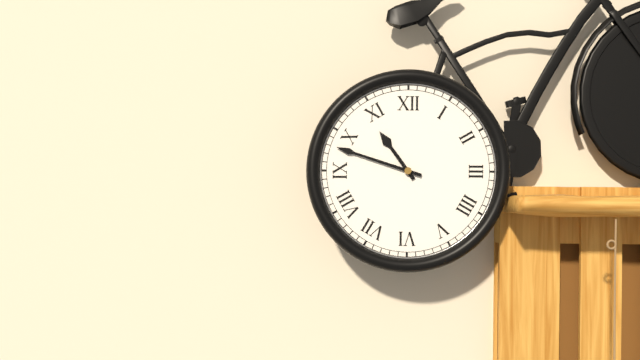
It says 10h48
